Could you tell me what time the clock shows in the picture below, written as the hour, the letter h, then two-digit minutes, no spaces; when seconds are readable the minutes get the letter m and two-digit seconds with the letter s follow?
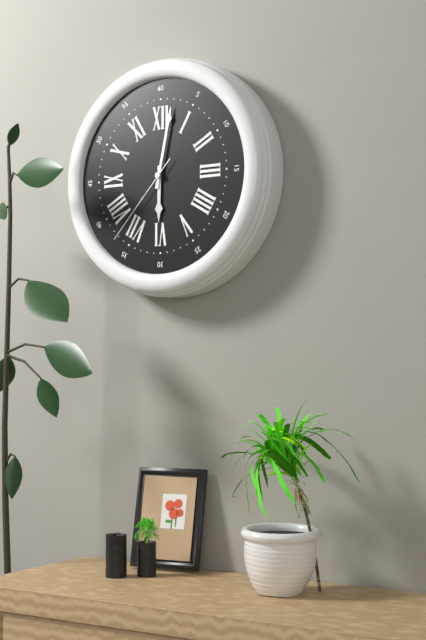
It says 6h02m37s
